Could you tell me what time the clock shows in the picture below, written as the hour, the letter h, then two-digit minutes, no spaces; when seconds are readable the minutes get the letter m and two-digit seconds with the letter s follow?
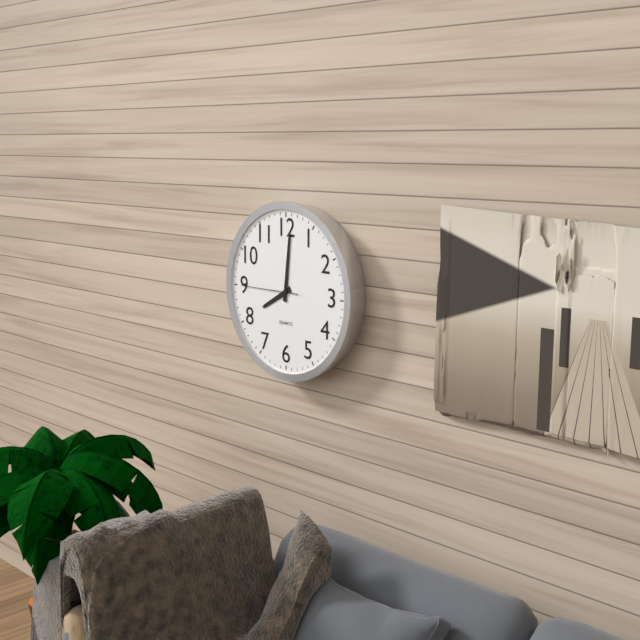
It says 8h01m45s
